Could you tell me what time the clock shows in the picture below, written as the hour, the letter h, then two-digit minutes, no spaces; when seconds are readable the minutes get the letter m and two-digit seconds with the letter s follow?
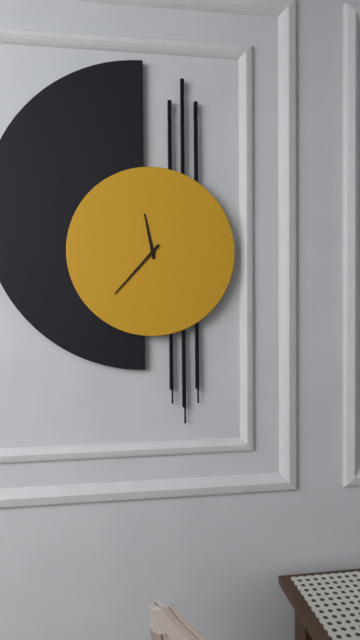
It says 11h37
